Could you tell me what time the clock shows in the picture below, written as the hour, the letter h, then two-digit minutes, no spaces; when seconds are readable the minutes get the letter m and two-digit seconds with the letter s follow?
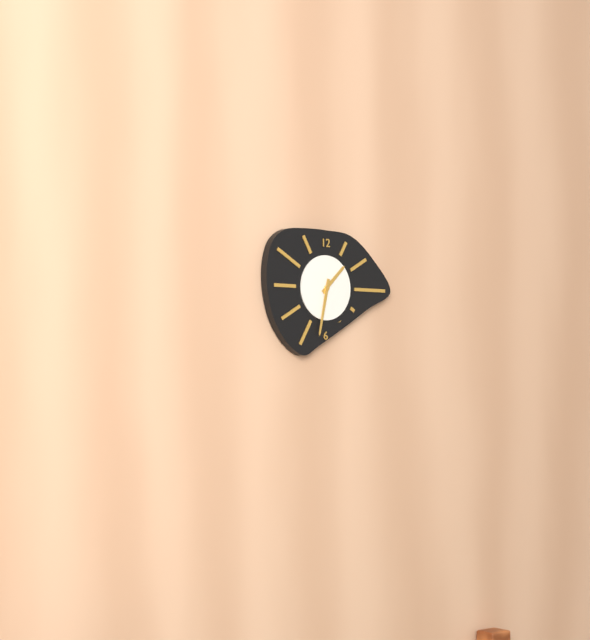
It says 1h32
